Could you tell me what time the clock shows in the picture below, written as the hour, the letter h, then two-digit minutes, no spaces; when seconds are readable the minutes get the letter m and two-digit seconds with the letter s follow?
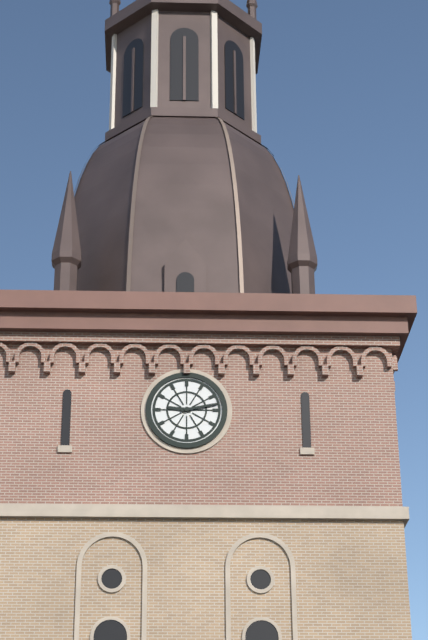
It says 9h13
